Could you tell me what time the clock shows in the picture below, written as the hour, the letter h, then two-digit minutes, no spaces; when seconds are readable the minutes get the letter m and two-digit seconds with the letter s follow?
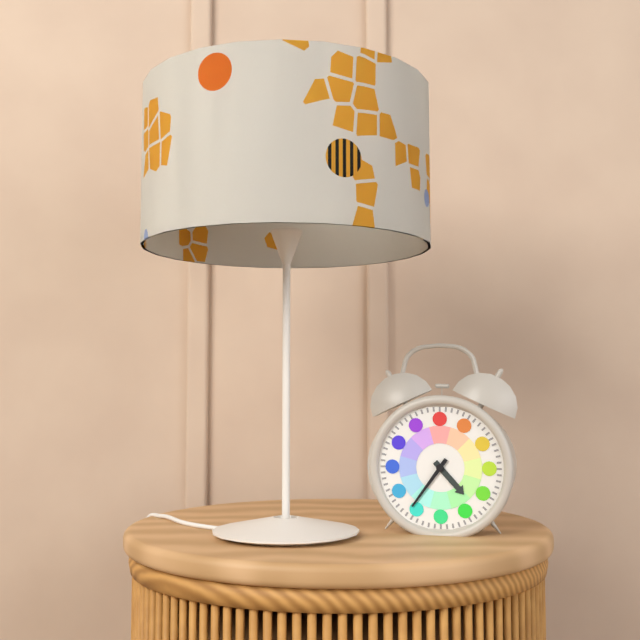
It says 4h36
